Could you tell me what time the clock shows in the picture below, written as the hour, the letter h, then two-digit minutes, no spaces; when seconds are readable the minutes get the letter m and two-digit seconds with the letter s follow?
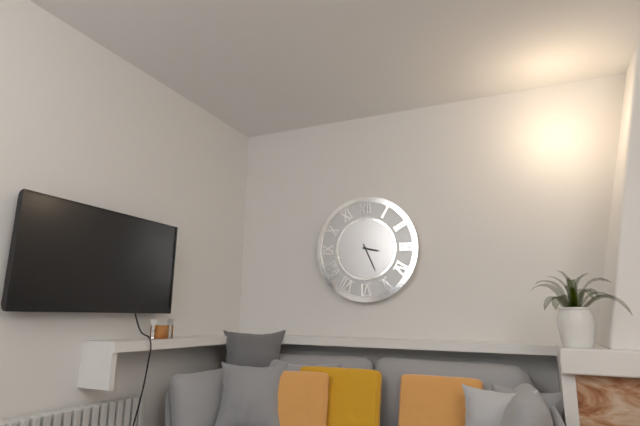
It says 3h26
